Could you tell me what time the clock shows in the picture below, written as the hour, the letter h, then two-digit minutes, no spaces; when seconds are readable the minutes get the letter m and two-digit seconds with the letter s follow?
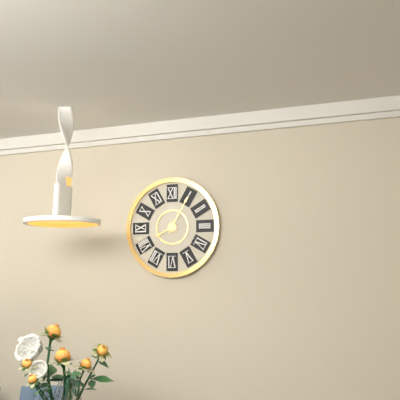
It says 8h05
